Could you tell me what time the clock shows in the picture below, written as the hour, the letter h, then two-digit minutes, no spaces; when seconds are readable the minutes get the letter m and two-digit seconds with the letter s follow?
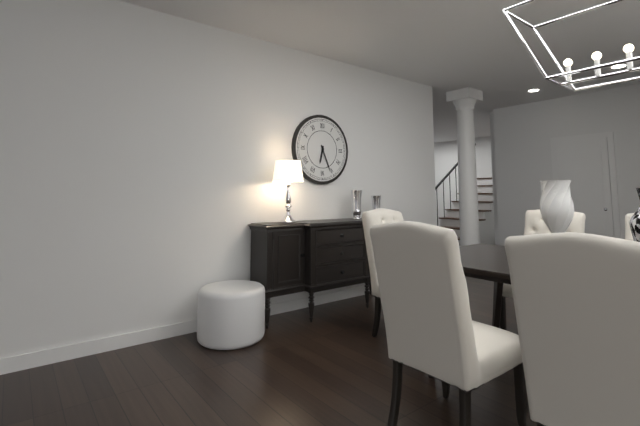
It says 6h26
